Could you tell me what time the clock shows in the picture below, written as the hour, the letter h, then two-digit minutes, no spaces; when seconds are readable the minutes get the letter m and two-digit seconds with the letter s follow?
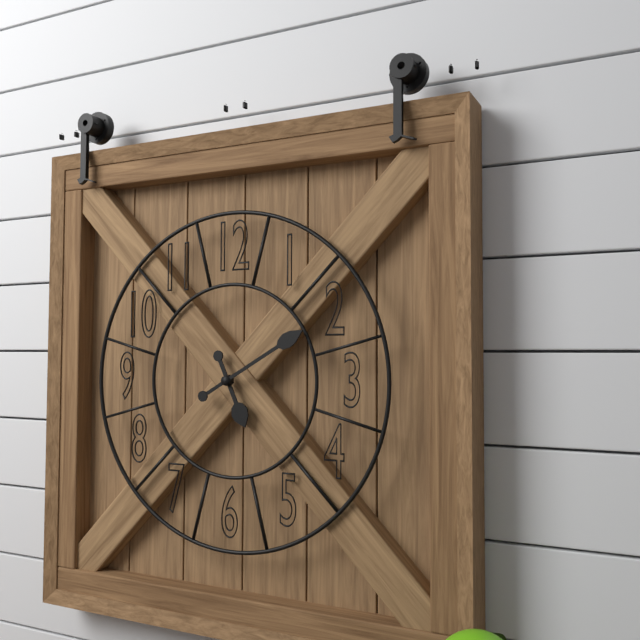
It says 5h10
